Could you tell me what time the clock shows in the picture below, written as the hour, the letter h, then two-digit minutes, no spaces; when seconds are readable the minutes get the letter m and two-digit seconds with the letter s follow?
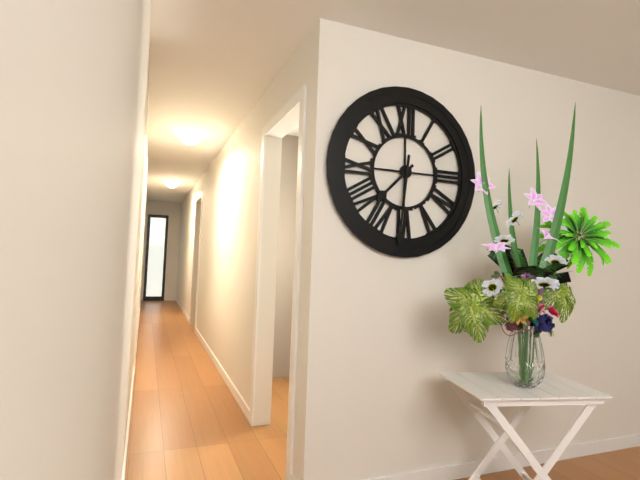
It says 7h31
